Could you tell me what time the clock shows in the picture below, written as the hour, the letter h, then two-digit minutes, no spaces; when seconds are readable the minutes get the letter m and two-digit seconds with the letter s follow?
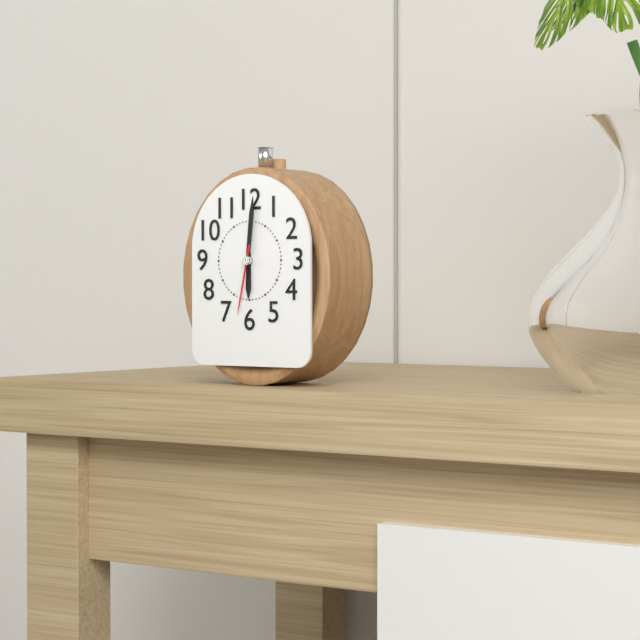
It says 6h01m32s
